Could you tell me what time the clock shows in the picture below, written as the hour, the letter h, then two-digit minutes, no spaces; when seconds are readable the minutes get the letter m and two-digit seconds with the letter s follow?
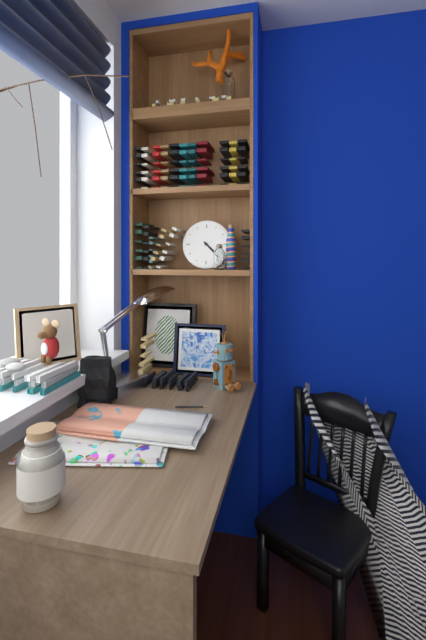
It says 4h23
